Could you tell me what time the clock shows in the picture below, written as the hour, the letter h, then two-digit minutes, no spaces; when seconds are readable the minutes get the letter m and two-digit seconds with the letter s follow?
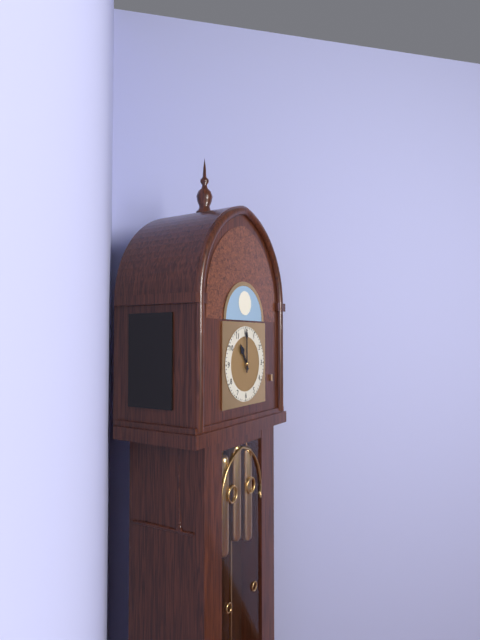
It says 11h00
